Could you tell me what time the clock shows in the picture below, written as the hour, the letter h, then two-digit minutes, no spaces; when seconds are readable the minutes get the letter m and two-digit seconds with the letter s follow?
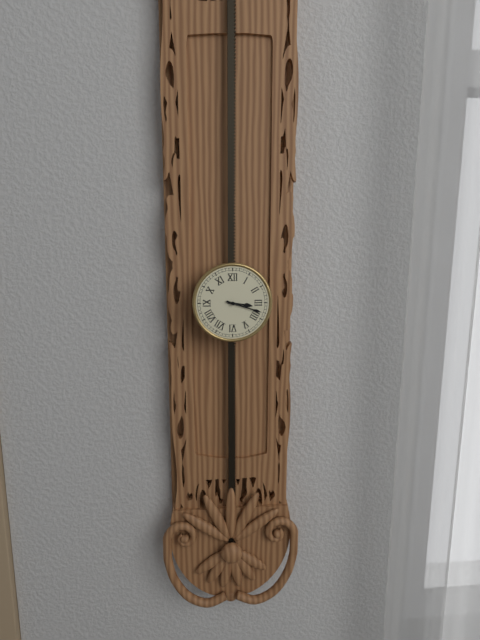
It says 3h18
